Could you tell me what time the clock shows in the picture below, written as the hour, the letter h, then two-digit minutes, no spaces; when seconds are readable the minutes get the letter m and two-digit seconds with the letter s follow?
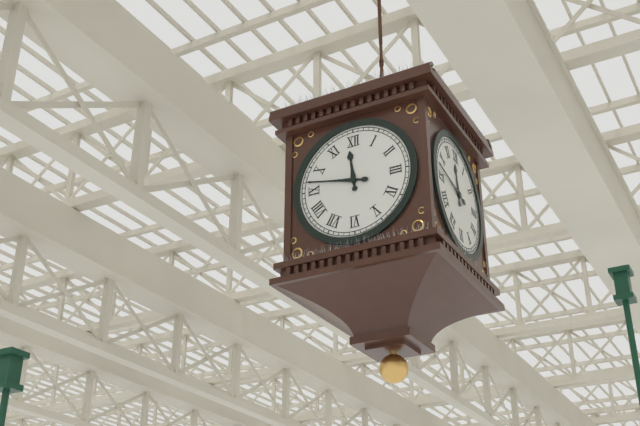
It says 11h47
